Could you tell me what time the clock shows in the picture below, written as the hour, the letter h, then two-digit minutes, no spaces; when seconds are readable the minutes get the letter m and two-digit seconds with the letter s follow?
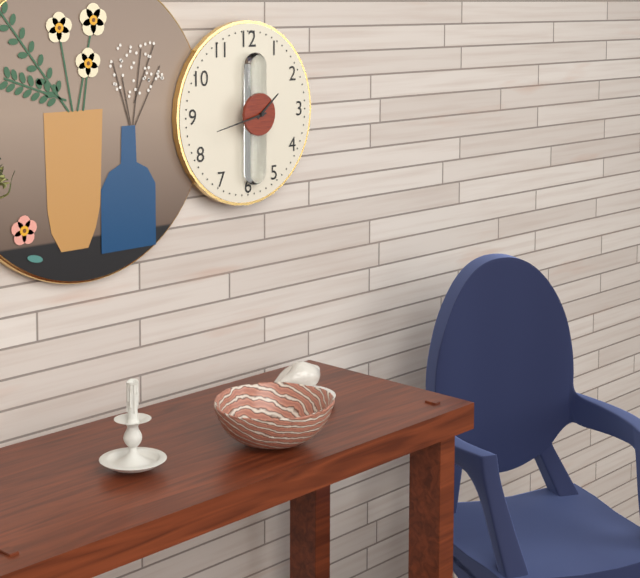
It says 1h43
